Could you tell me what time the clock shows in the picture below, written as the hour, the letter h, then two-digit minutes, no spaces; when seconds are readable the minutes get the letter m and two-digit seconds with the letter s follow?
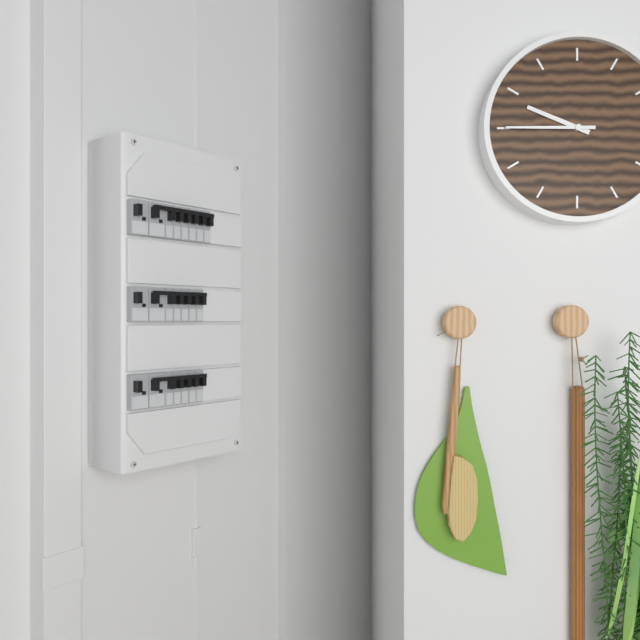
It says 9h45
